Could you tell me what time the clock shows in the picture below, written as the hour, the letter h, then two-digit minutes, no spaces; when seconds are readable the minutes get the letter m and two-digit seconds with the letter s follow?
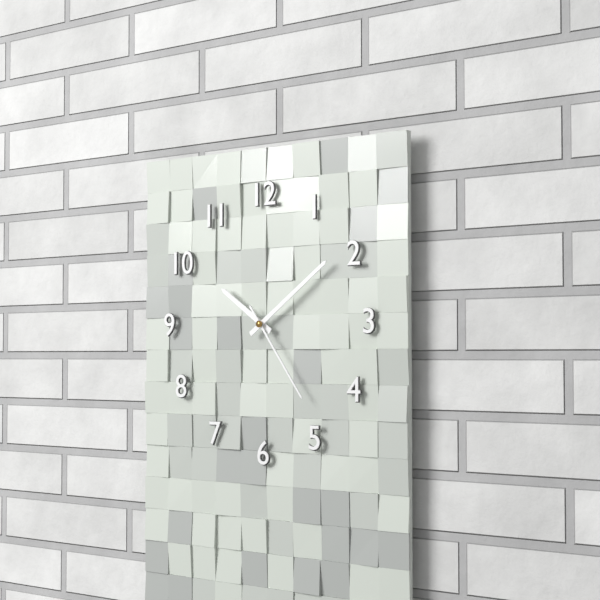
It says 10h09m24s
